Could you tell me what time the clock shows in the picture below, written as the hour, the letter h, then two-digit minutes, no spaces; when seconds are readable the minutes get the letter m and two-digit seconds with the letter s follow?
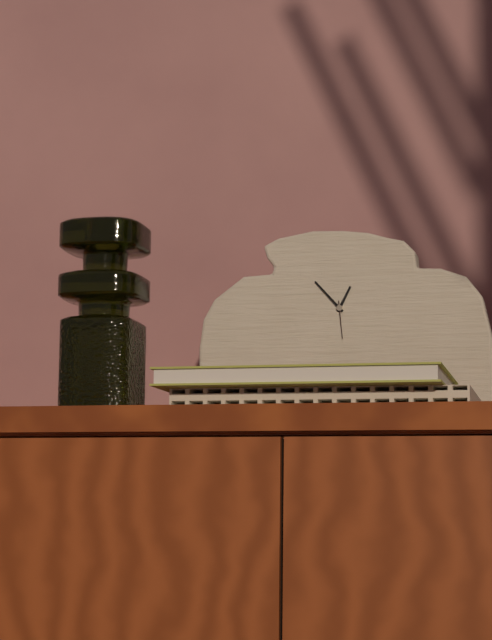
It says 12h53
